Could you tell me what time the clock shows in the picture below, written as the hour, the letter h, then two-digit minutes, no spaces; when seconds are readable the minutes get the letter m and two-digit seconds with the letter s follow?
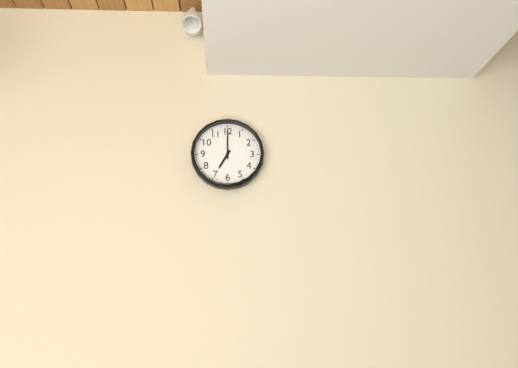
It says 7h00
